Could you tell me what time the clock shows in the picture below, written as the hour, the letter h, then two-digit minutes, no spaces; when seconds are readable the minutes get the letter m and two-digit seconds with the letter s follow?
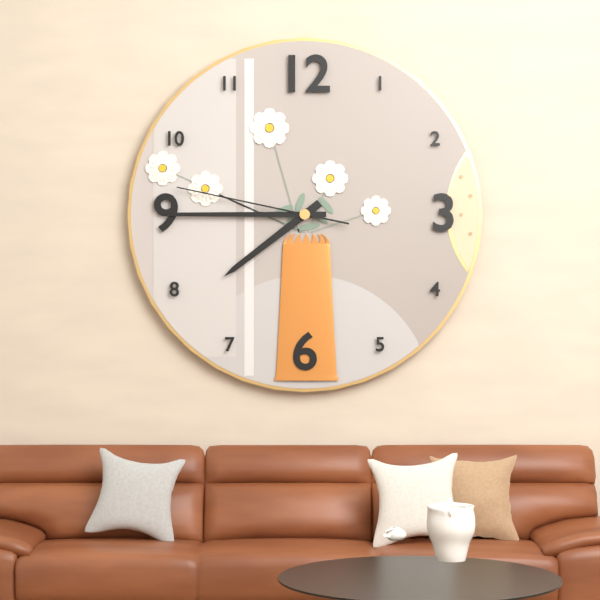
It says 7h45m47s
